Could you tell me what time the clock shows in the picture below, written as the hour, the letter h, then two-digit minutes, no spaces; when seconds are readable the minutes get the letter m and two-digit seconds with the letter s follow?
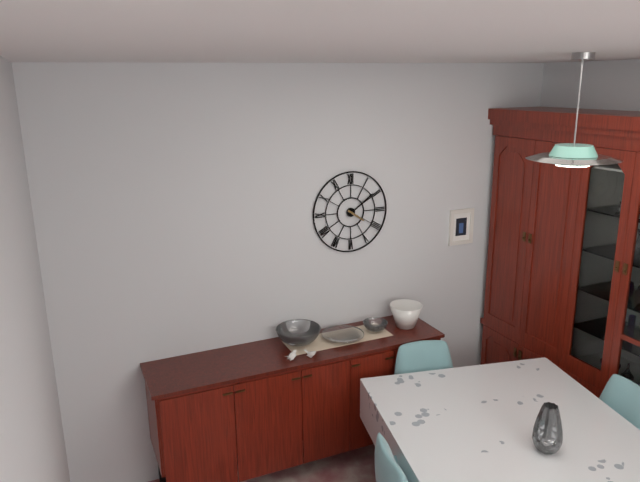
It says 4h09
